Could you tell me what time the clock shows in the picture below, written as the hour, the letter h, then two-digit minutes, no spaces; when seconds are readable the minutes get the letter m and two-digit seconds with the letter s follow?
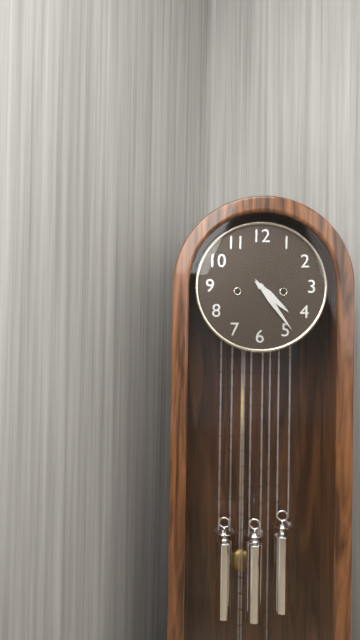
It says 4h24
